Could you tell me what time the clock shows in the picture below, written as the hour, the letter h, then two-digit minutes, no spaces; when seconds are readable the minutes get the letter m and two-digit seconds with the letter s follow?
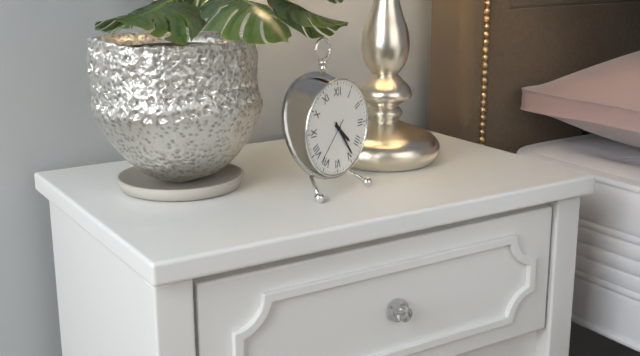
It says 4h24
